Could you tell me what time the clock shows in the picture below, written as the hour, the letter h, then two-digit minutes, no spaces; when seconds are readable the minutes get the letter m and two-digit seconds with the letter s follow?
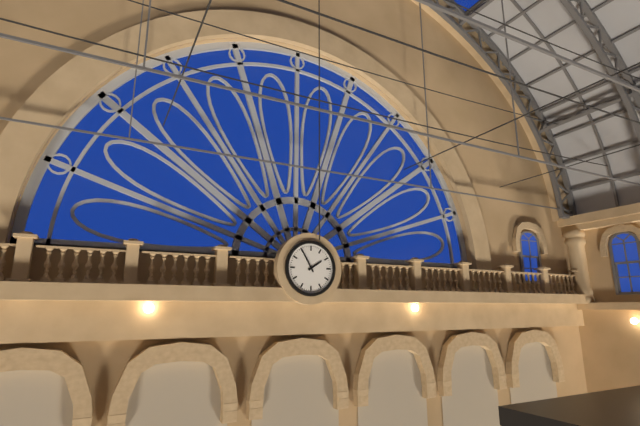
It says 1h55
